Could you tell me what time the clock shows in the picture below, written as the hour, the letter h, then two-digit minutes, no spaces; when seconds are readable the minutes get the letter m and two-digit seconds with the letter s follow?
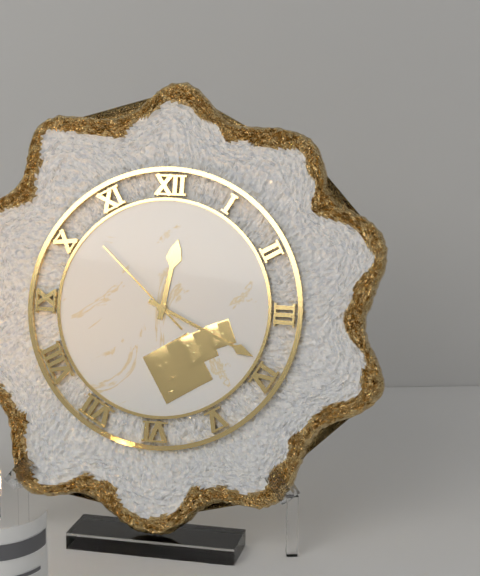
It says 12h19m52s
